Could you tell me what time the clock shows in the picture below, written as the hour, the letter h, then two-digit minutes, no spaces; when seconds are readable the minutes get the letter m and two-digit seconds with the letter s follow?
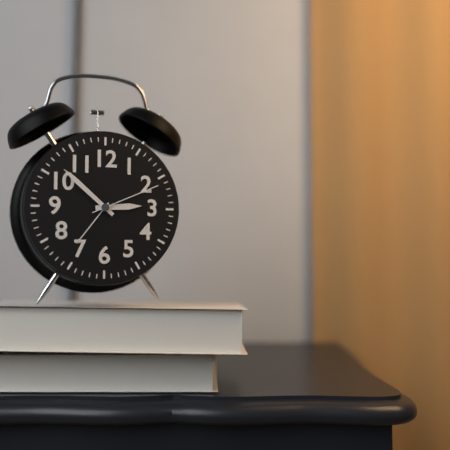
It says 2h52m11s
